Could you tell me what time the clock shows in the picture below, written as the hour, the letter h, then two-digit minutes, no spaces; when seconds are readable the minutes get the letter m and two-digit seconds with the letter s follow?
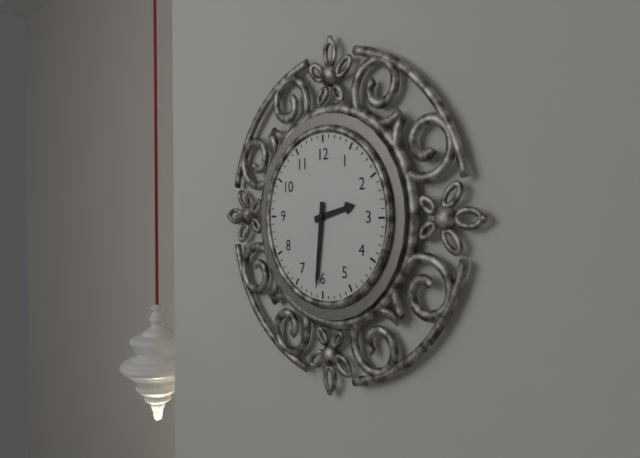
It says 2h31
